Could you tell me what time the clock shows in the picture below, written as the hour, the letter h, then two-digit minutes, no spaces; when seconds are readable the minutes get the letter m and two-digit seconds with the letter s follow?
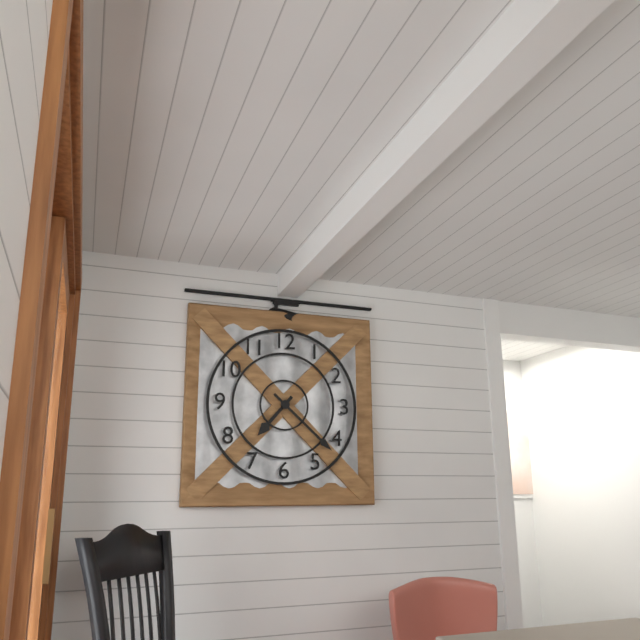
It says 7h22
